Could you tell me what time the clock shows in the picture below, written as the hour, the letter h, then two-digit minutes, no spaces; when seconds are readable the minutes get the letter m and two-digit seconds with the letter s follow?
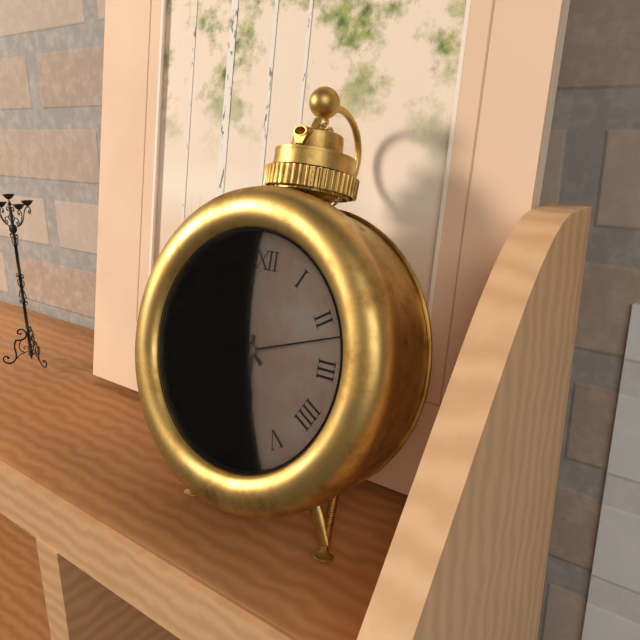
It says 5h51m12s
